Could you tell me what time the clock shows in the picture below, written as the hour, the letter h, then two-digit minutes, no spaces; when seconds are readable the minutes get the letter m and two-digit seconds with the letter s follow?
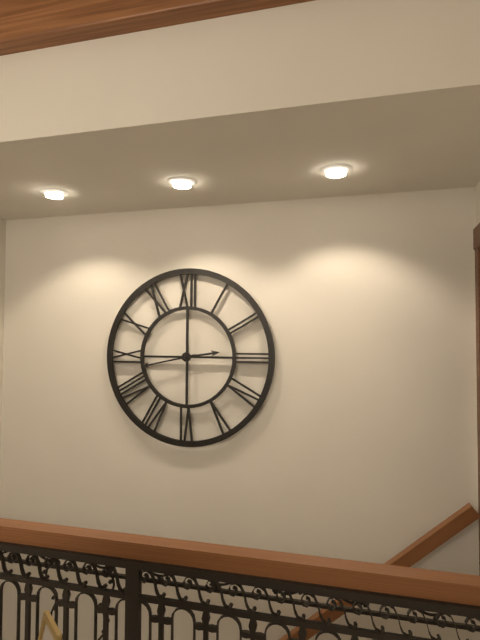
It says 2h43
